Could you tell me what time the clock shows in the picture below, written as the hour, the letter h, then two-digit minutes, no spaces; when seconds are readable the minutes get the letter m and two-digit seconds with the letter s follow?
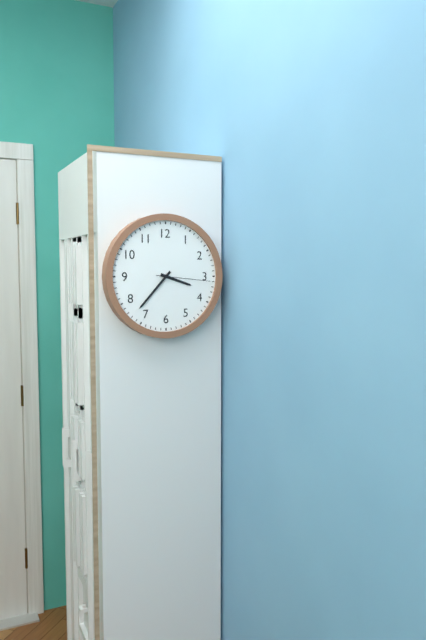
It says 3h37m16s
